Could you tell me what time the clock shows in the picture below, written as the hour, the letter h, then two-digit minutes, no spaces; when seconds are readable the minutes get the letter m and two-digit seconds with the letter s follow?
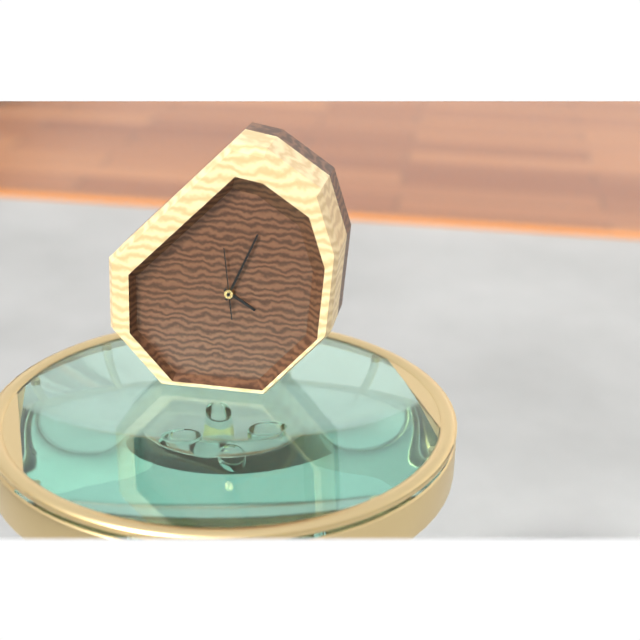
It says 4h04m59s
